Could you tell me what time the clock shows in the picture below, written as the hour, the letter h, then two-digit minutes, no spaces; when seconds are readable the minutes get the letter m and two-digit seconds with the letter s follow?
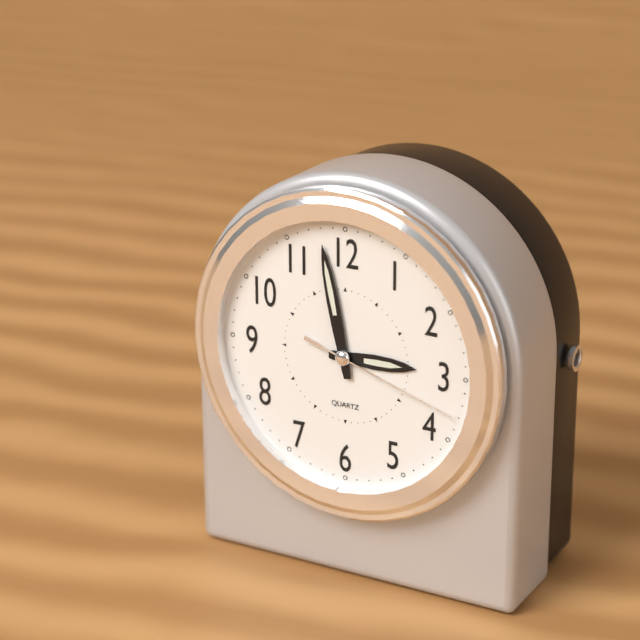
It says 2h58m18s
